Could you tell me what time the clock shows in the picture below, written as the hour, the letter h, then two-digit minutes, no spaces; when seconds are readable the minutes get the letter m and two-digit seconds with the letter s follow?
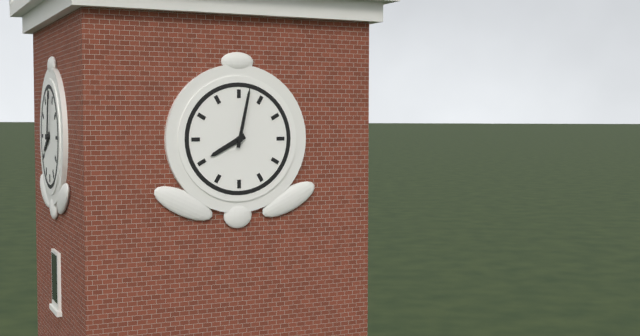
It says 8h02
